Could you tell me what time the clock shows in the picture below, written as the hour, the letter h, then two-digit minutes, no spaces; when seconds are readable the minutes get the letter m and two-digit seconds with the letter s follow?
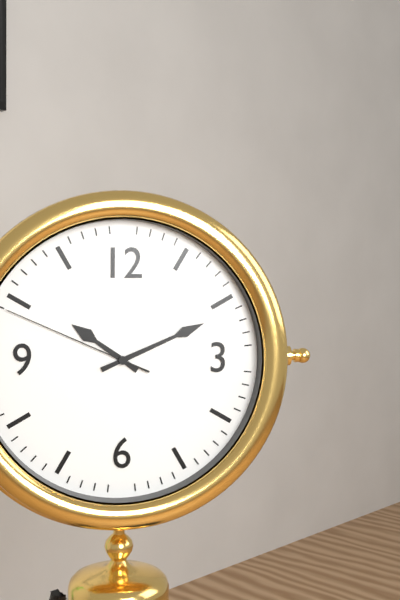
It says 10h11m49s
